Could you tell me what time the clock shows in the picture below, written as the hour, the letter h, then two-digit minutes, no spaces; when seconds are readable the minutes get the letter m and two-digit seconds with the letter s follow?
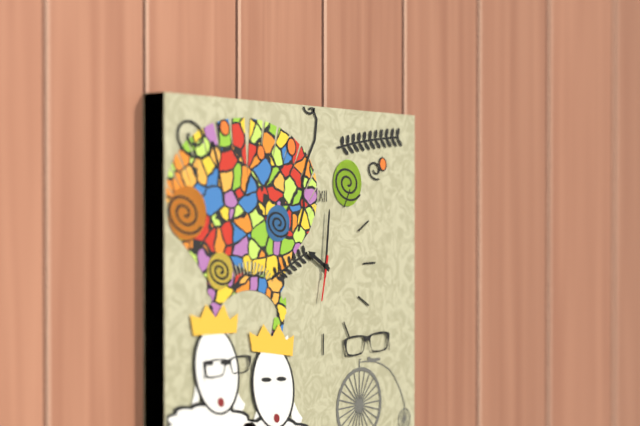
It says 10h01
